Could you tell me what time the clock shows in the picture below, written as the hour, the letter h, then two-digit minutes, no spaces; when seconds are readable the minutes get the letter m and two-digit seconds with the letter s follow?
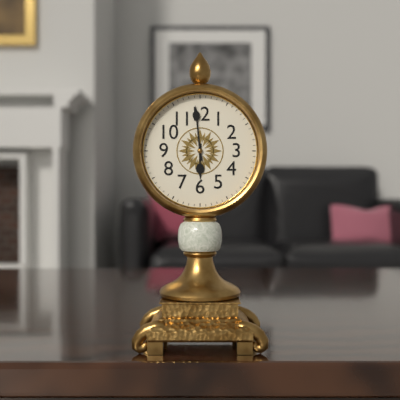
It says 5h59
